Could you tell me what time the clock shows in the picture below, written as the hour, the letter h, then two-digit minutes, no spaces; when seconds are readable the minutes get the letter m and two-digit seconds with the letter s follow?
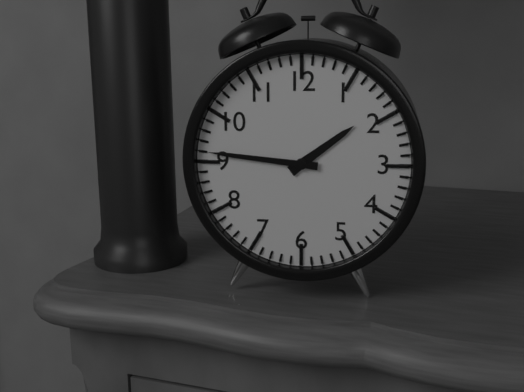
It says 1h46
